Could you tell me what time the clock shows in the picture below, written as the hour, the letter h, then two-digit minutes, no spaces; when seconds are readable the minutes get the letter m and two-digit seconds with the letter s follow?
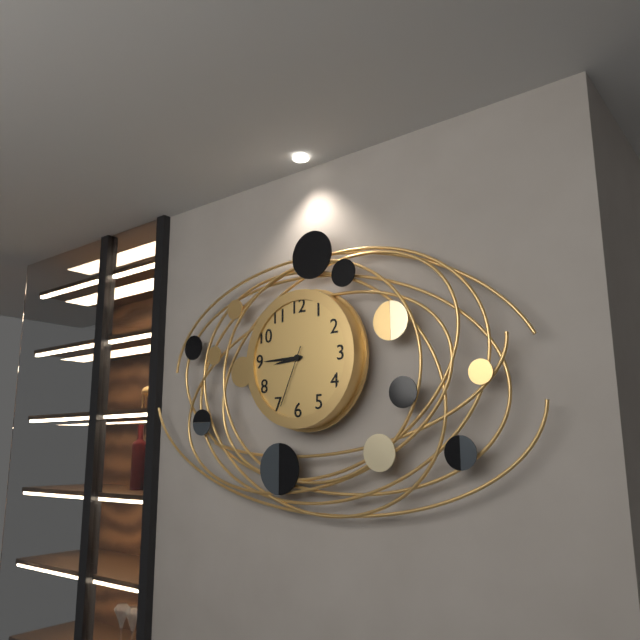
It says 8h45m34s
